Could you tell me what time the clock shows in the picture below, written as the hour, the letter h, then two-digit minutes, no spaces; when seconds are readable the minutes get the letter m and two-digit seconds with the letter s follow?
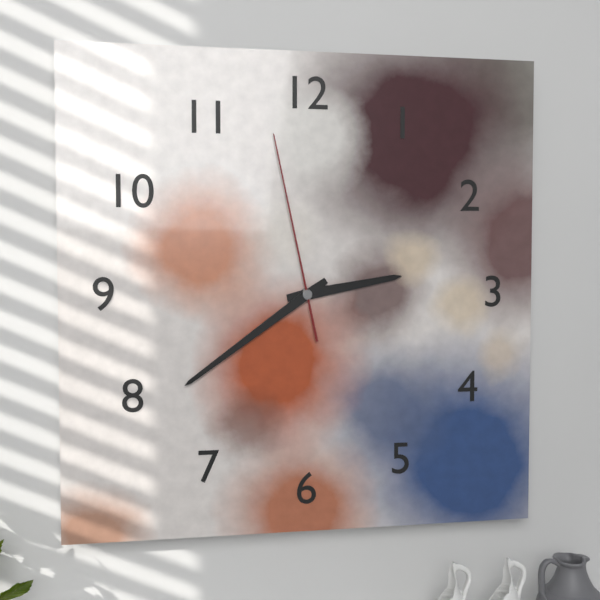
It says 2h39m58s
